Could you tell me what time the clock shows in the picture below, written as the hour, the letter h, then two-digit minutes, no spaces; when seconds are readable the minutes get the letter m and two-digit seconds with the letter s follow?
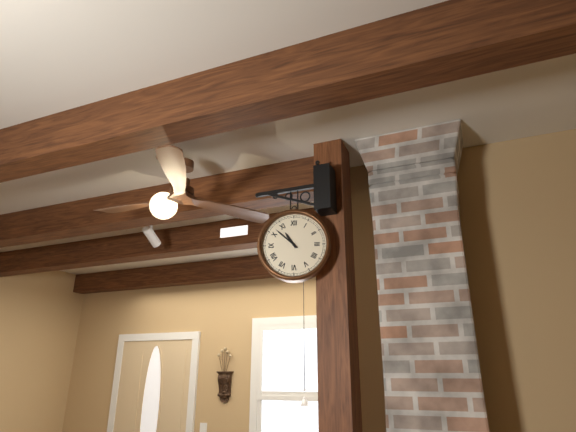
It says 10h52
